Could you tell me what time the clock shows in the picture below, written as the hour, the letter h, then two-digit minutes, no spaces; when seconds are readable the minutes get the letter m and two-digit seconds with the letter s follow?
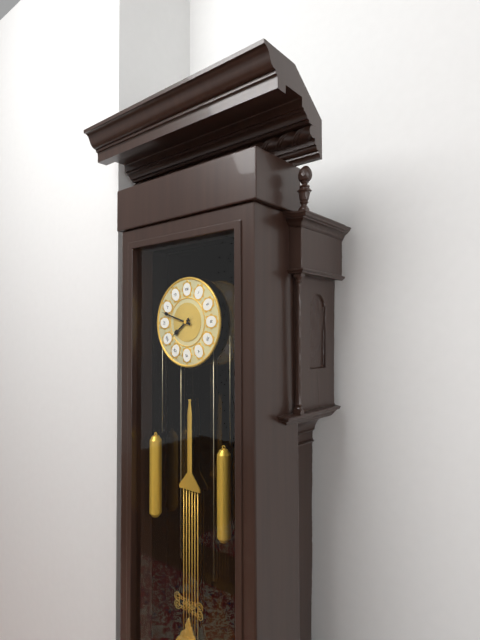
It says 7h48
